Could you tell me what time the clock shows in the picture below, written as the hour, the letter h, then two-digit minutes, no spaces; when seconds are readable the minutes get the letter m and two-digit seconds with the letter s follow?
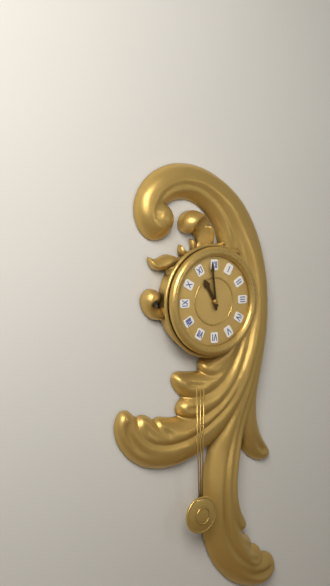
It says 10h59
